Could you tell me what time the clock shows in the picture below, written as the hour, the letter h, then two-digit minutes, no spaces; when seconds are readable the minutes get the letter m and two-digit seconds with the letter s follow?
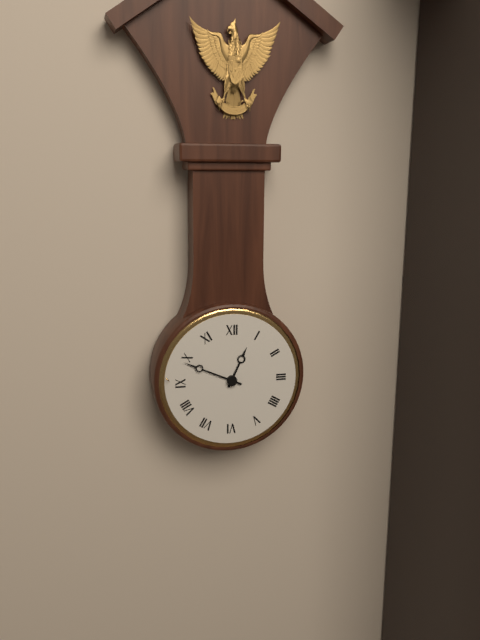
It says 12h49
